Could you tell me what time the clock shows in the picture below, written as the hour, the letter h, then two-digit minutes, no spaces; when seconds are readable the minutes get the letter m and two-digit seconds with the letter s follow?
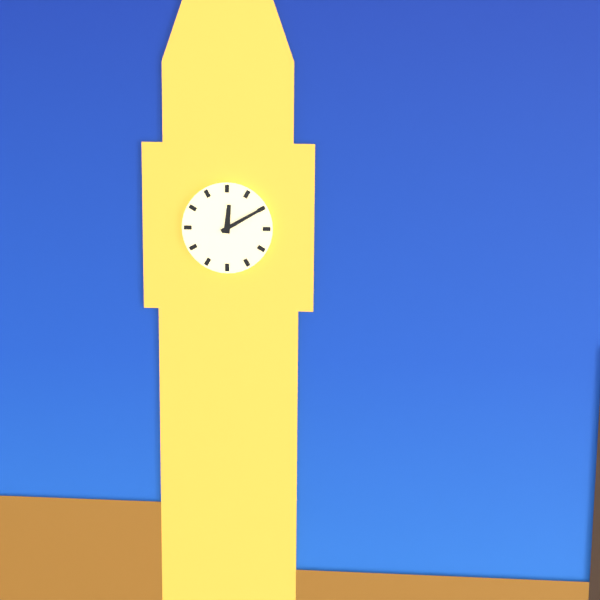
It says 12h10
